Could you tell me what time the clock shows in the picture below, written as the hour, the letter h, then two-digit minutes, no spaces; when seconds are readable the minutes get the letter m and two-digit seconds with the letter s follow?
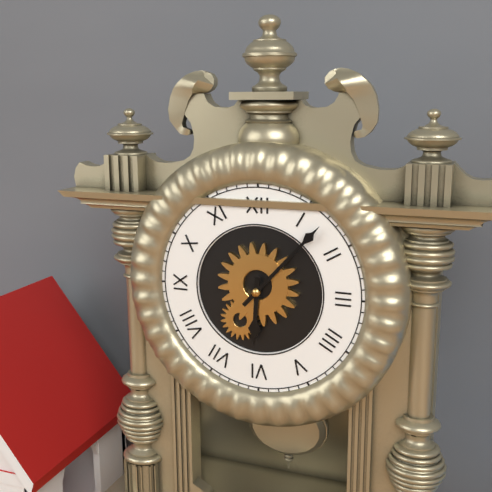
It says 6h07
